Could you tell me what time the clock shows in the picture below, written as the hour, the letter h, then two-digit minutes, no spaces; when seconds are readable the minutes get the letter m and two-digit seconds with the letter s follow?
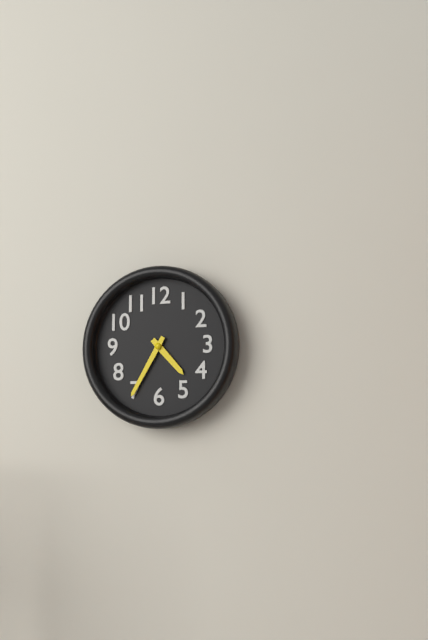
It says 4h35
